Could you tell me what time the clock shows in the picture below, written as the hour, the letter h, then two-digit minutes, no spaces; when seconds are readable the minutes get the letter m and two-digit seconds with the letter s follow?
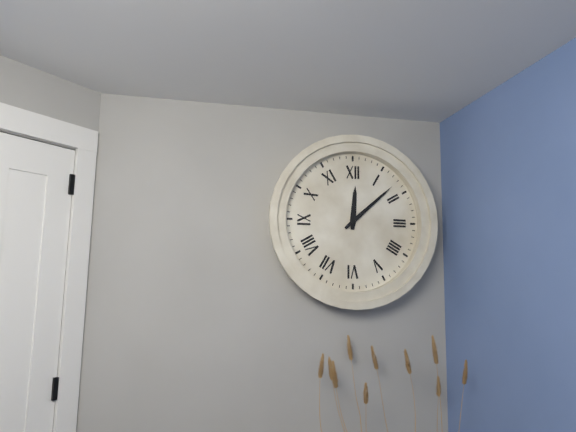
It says 12h08
